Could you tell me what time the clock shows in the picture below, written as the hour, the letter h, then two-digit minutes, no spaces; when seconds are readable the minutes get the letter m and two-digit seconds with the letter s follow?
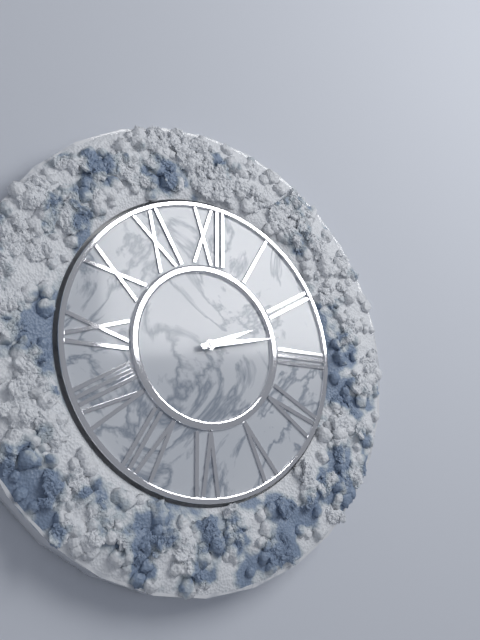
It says 2h13
